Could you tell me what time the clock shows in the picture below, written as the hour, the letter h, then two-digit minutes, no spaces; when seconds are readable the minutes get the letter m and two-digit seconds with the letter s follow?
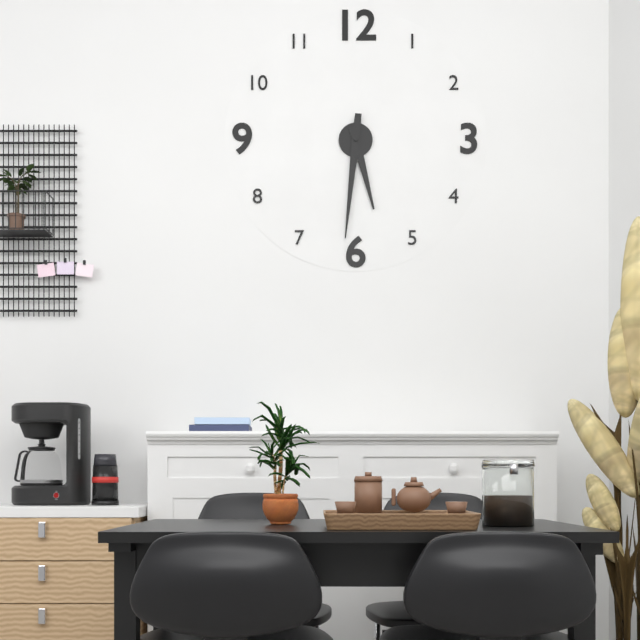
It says 5h31
